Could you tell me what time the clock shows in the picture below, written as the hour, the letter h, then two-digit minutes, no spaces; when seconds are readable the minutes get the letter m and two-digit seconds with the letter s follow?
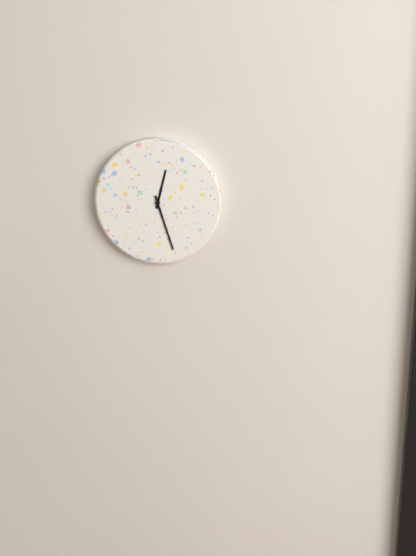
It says 12h27
